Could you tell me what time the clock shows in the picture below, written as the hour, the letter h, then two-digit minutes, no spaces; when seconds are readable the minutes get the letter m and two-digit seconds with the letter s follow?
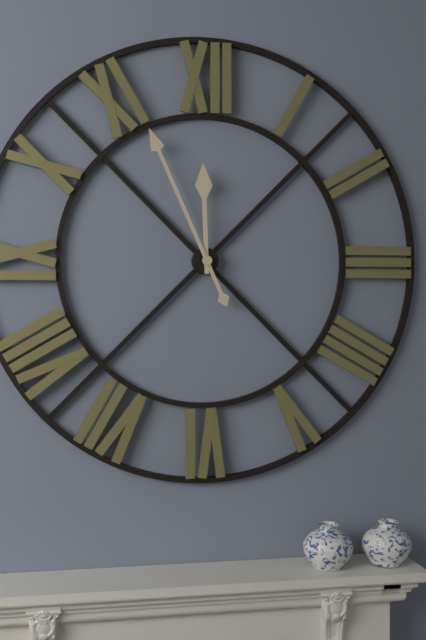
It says 11h56
